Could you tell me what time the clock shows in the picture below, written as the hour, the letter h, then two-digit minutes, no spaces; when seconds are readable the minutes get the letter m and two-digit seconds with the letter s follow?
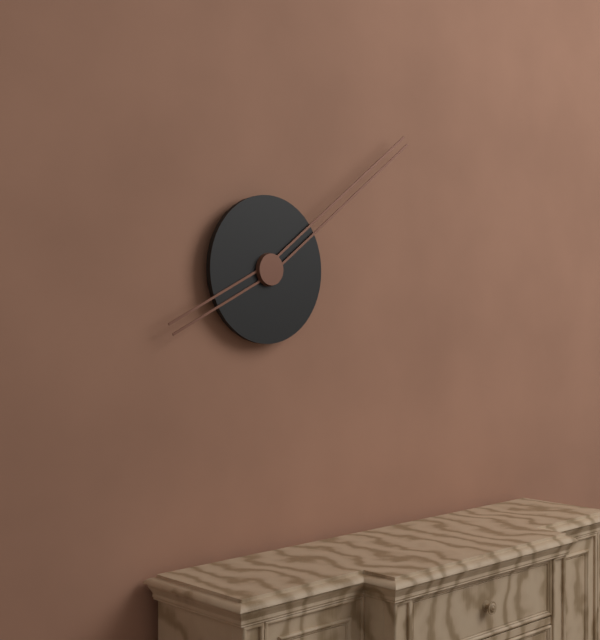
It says 8h09
